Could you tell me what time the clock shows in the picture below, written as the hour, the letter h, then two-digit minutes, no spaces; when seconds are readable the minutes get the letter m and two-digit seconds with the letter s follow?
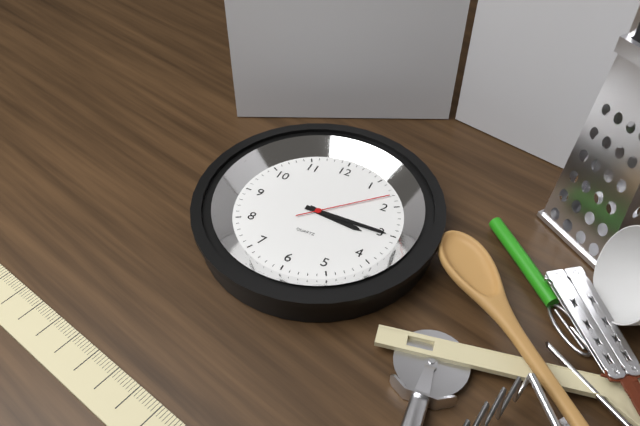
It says 3h15m08s
